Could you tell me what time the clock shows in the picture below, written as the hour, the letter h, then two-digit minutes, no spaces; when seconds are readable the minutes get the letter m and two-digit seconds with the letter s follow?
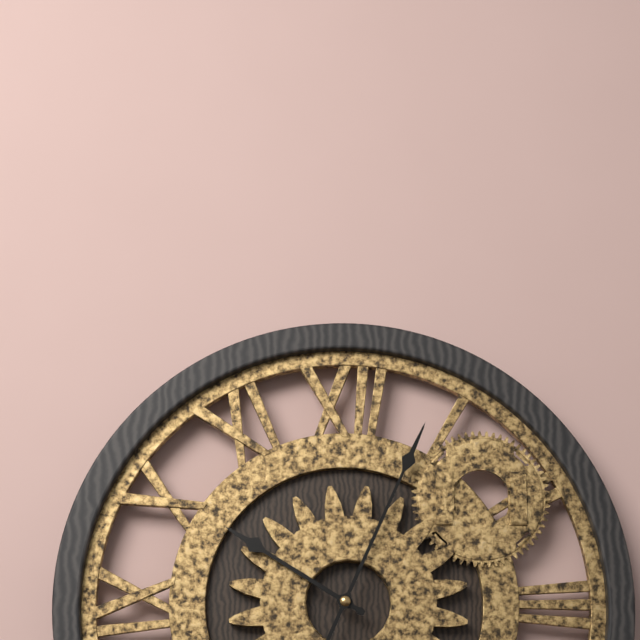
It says 10h04
